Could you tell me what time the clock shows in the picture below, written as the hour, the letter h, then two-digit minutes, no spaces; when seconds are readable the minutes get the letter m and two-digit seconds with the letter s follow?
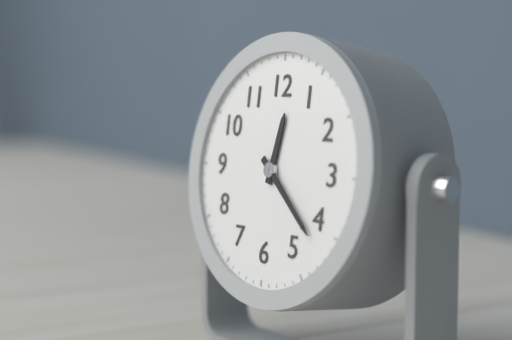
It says 12h22
